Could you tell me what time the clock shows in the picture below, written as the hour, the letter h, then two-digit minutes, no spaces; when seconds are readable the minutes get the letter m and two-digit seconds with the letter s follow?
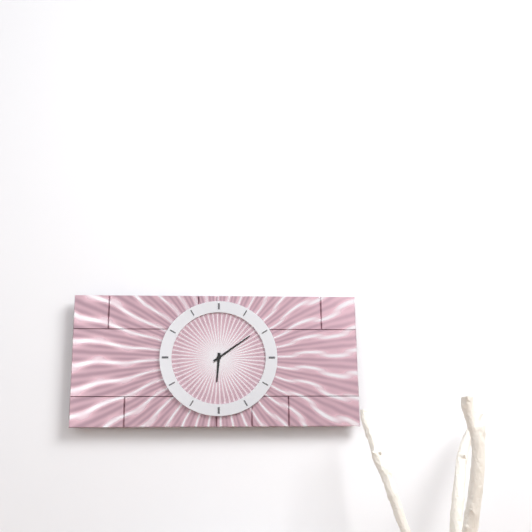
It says 6h09
